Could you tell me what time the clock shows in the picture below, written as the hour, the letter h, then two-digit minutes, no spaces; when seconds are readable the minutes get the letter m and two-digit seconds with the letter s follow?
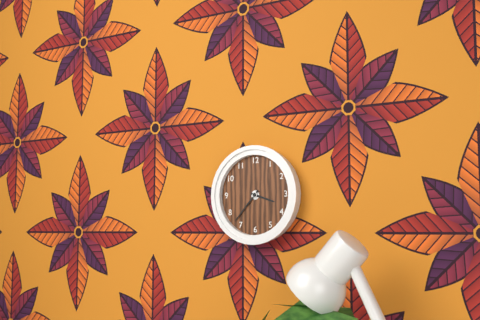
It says 3h37
